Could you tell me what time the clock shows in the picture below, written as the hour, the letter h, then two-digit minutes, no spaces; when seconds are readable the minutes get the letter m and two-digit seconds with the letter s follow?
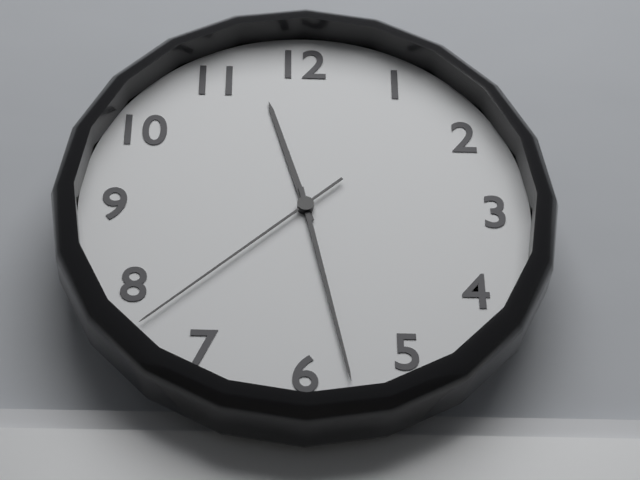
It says 11h28m38s
